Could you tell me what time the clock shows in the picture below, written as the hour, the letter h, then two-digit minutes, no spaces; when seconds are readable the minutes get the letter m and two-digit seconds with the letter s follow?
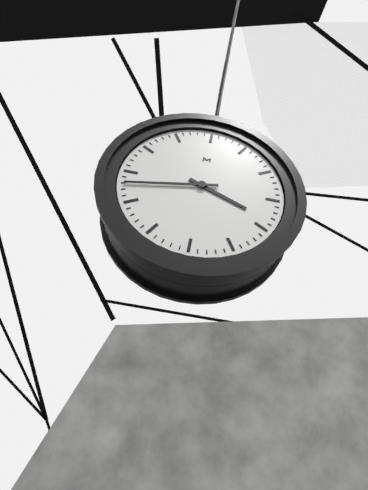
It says 3h43
